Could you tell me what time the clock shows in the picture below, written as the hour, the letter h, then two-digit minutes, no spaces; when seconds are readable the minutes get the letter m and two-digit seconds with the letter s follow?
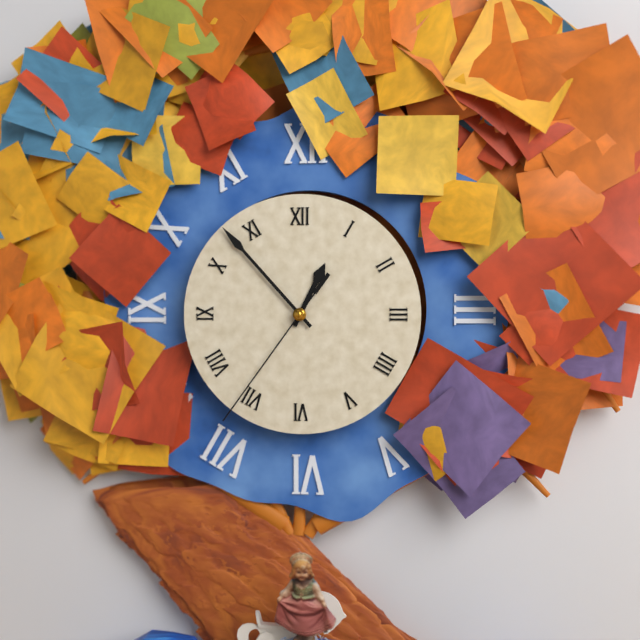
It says 12h53m36s
